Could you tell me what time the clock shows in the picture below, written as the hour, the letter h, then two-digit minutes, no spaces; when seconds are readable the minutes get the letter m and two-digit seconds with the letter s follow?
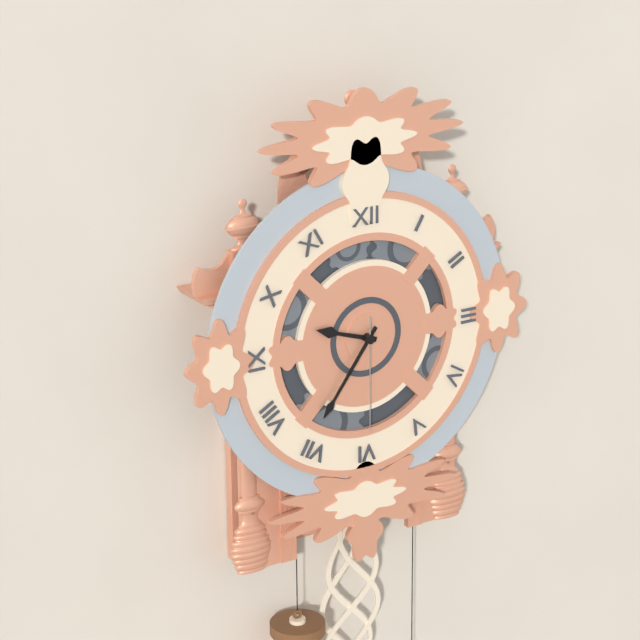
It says 9h36m30s
